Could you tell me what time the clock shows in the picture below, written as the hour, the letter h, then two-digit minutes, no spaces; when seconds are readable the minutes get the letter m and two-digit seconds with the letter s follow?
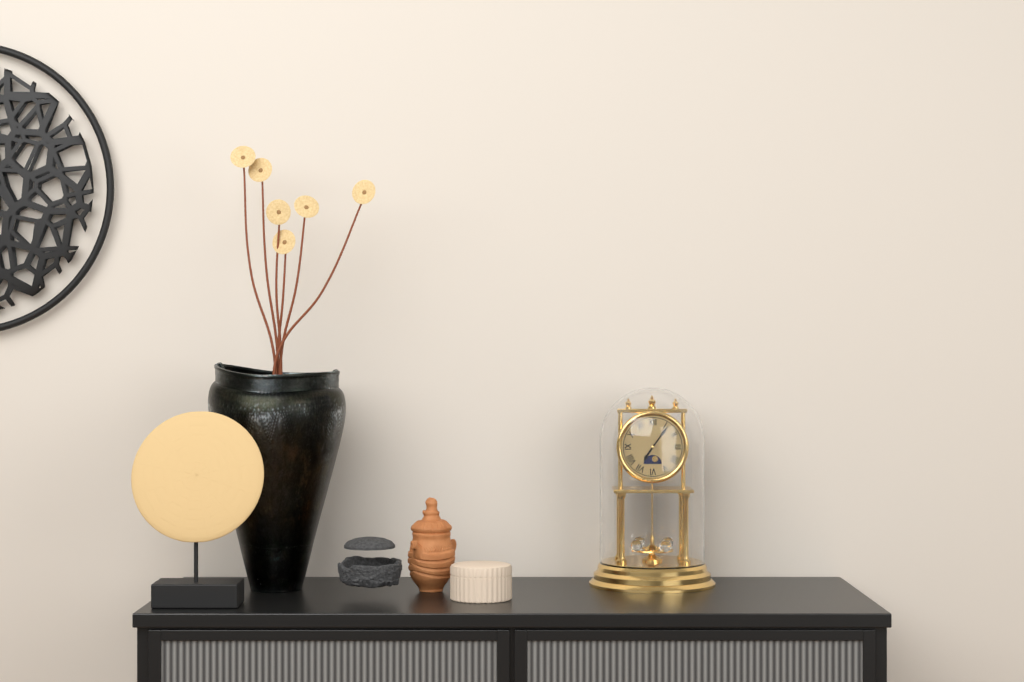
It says 7h06
